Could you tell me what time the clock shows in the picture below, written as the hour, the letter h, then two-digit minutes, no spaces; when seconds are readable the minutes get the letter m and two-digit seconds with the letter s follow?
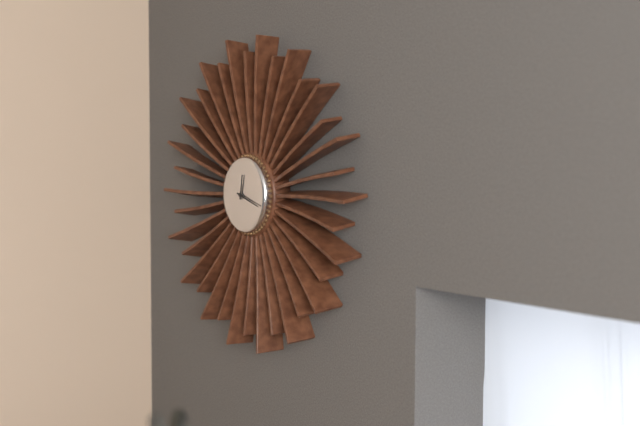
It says 12h18
